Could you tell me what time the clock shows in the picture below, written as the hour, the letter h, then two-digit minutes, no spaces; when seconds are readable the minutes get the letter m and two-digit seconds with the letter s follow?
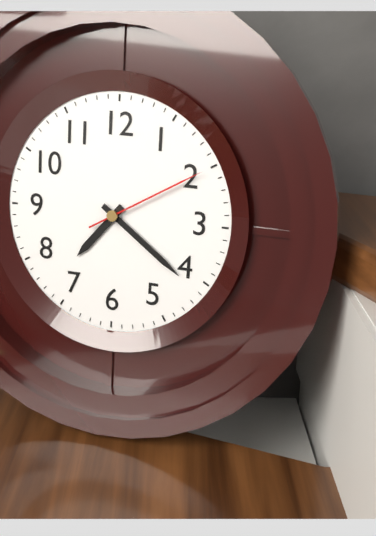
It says 7h21m10s
